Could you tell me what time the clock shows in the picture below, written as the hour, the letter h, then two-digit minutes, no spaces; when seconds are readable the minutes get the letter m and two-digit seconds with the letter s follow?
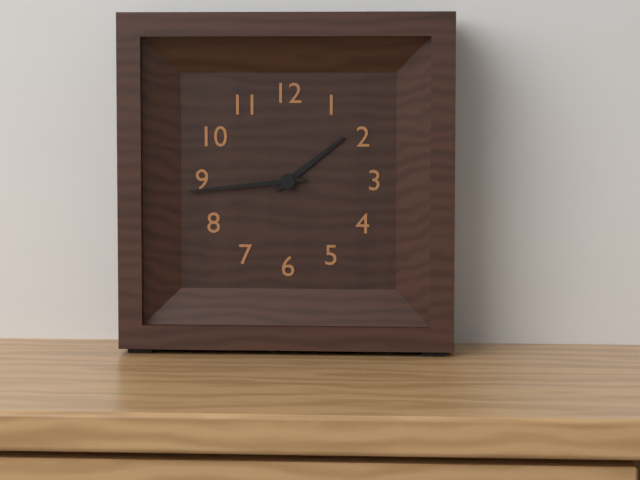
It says 1h44
